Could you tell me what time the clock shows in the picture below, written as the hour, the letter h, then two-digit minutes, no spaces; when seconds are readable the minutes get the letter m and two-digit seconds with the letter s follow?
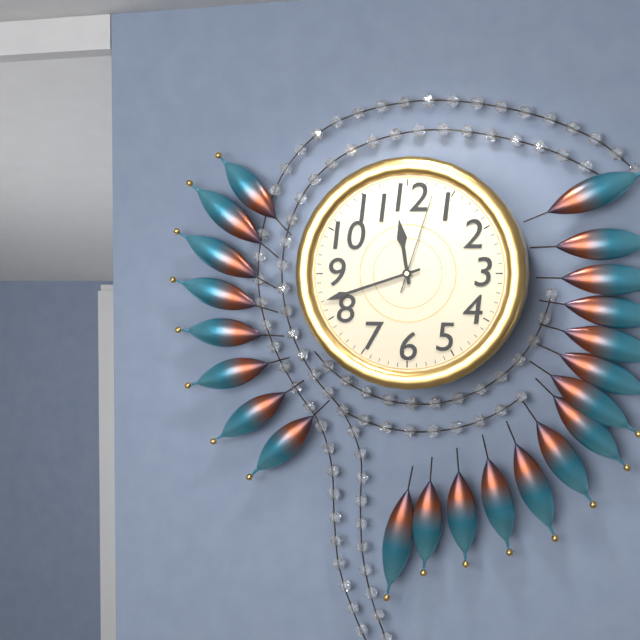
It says 11h42m03s
